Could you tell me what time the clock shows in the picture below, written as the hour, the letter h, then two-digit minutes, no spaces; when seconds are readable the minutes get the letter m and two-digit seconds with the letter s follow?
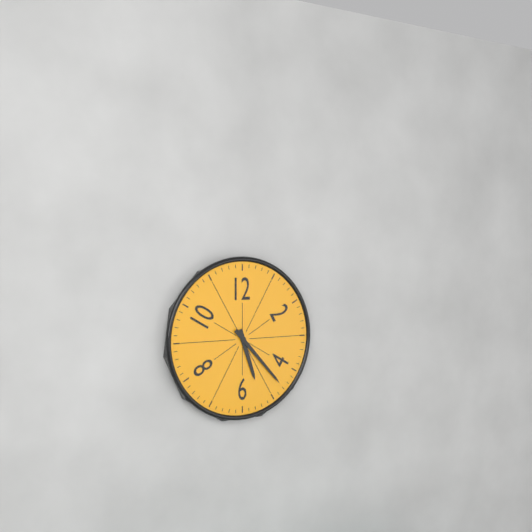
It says 5h23
